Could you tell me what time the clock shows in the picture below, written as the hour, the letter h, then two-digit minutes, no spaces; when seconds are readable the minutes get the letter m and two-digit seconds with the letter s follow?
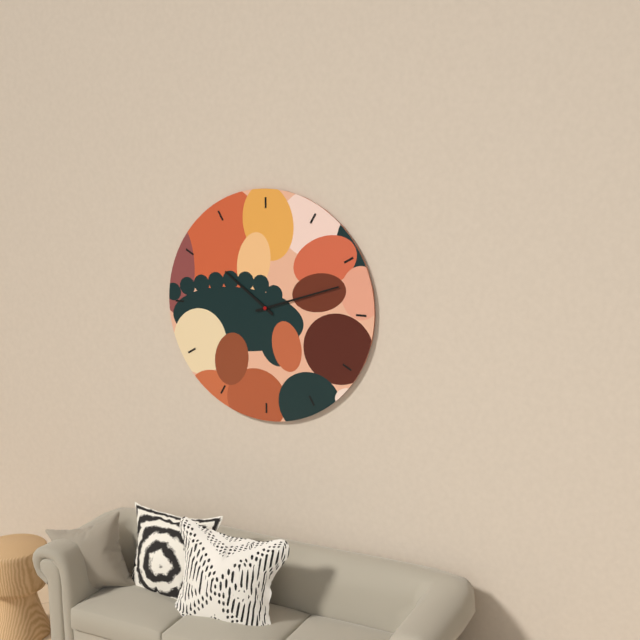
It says 10h12
